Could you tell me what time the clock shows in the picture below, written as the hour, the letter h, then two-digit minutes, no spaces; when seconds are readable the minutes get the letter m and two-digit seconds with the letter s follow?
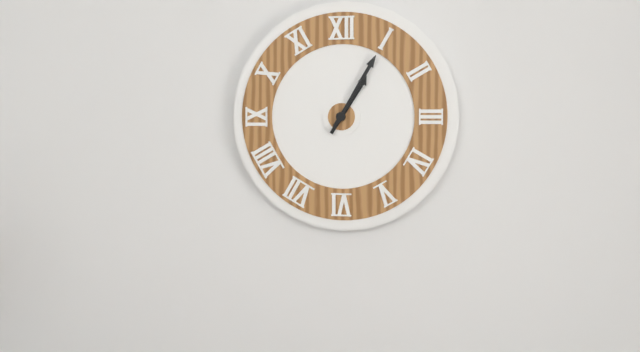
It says 1h05
